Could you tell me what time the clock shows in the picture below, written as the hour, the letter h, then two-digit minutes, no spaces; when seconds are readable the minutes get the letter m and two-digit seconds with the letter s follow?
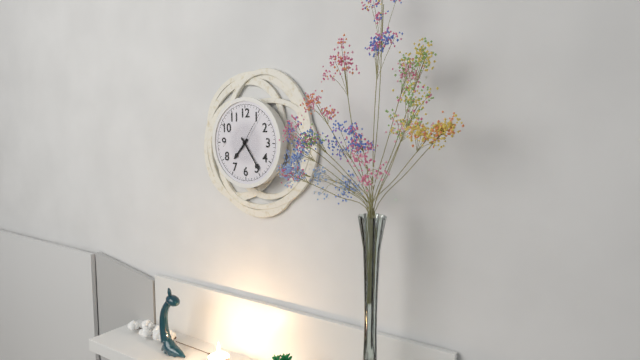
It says 7h24
